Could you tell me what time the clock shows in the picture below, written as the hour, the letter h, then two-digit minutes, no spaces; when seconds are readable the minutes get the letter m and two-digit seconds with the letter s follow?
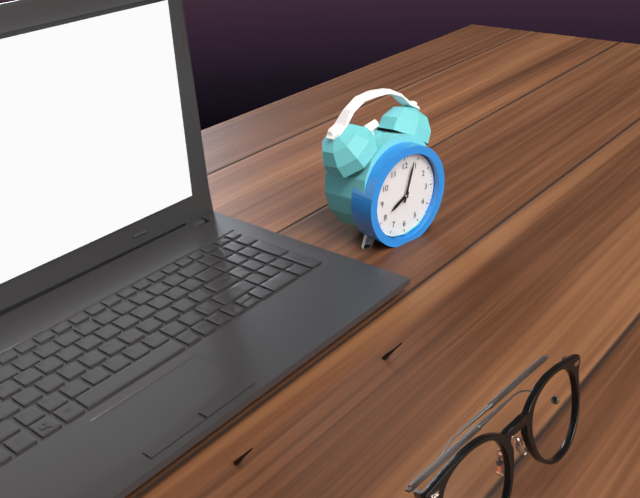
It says 8h03
